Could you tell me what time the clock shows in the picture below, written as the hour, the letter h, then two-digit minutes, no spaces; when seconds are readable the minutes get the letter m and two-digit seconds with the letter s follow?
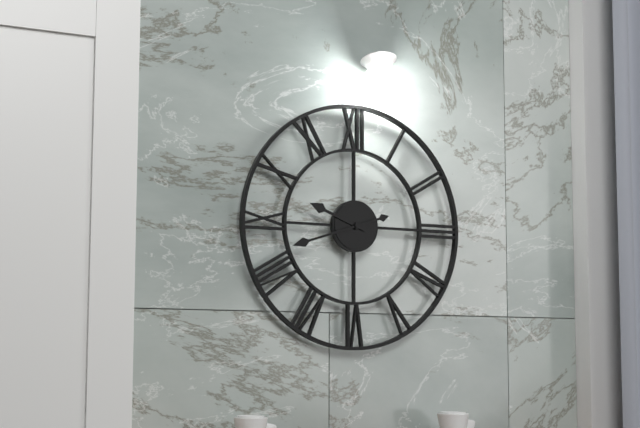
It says 9h42
